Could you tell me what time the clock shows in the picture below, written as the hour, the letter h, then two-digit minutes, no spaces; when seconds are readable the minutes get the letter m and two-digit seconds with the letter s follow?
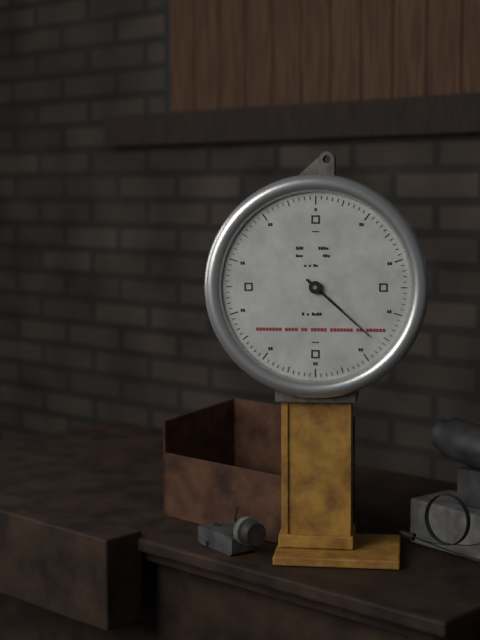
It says 4h22
